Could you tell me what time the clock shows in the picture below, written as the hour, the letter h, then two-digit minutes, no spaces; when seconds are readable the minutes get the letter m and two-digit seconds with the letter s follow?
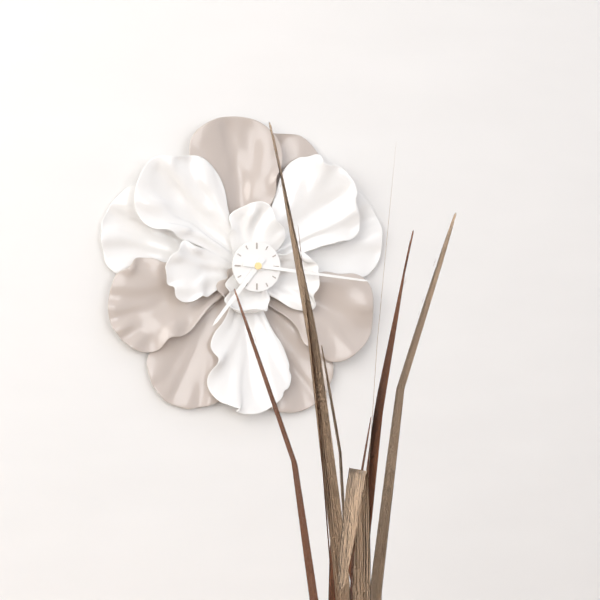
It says 7h16
